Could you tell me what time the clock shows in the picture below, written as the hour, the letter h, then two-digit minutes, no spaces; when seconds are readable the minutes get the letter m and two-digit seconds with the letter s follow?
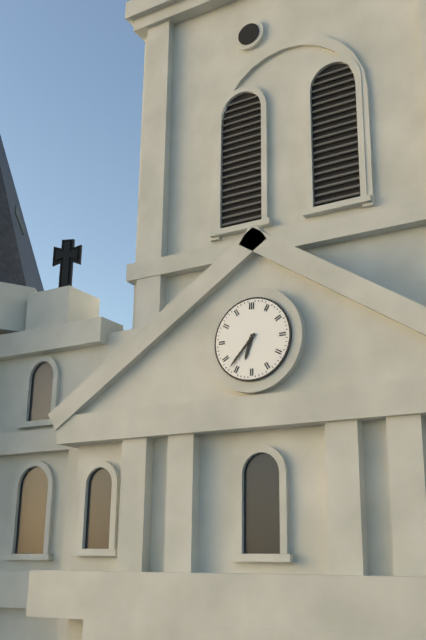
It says 6h37
